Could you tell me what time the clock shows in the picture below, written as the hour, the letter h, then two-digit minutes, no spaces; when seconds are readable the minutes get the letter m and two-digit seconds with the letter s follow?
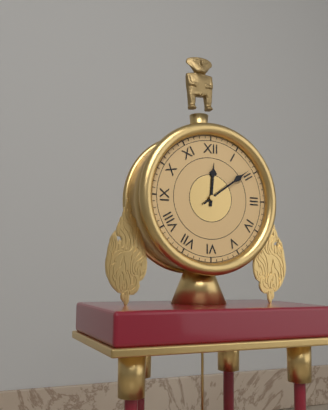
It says 12h09
